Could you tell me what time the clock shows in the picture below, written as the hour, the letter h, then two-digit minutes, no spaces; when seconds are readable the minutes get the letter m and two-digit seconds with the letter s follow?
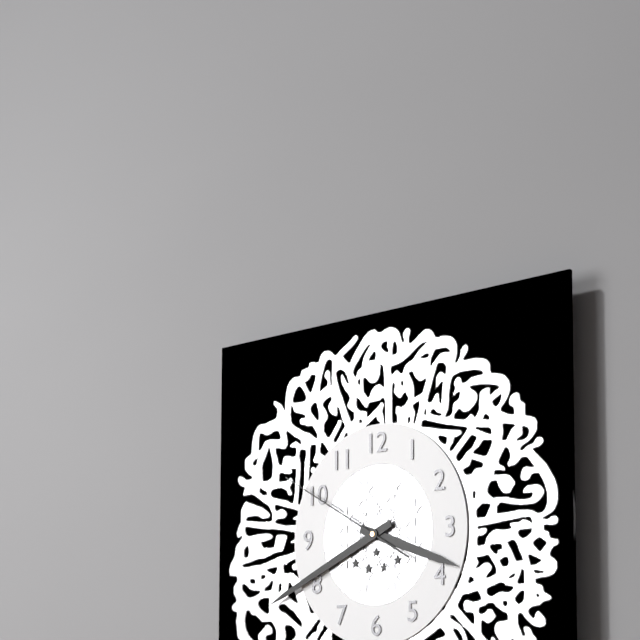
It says 3h41m50s
